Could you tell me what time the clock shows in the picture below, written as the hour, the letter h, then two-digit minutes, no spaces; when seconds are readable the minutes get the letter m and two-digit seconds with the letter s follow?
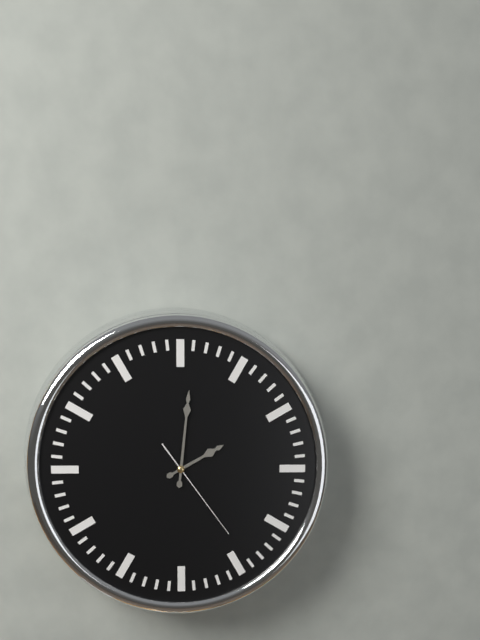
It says 2h01m24s
